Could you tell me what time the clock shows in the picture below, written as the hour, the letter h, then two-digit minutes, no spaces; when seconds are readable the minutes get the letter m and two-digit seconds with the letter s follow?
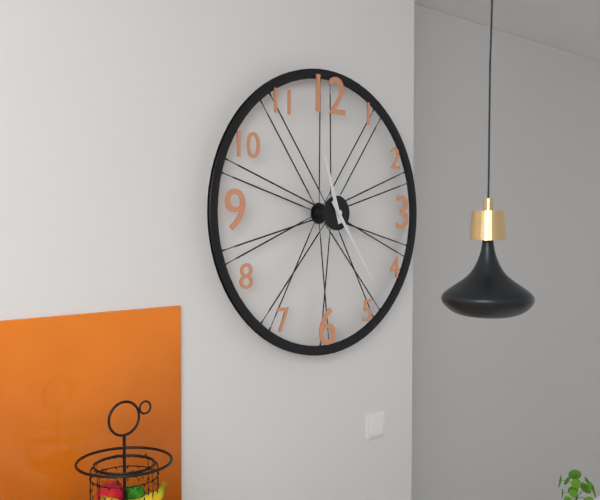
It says 11h24
